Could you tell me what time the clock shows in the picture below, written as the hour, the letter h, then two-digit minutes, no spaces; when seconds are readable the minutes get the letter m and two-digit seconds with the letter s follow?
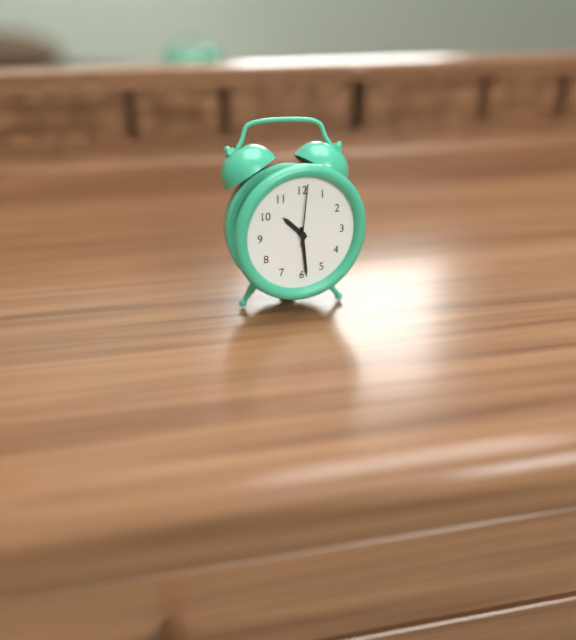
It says 10h29m01s
